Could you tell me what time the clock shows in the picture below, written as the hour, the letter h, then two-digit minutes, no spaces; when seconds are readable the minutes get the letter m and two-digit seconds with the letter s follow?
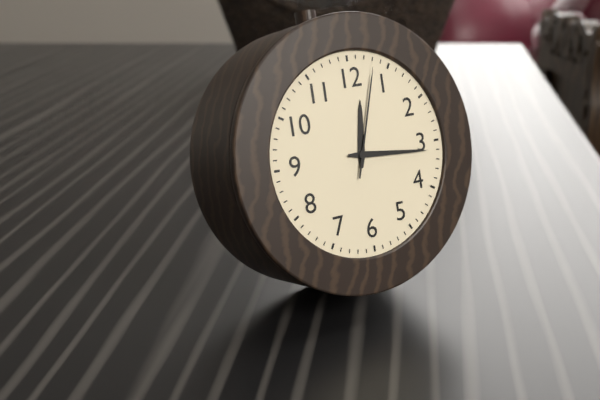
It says 12h16m03s
